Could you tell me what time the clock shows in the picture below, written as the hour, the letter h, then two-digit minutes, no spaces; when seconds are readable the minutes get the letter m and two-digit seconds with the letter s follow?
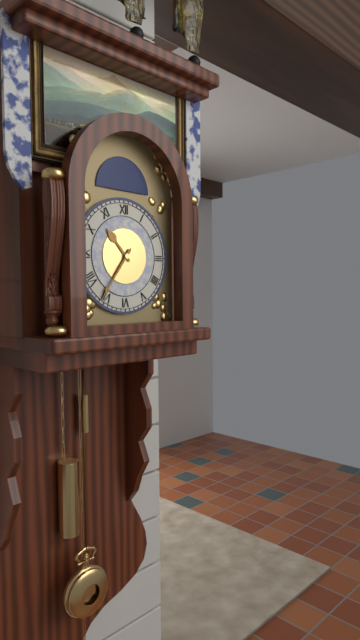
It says 10h36
